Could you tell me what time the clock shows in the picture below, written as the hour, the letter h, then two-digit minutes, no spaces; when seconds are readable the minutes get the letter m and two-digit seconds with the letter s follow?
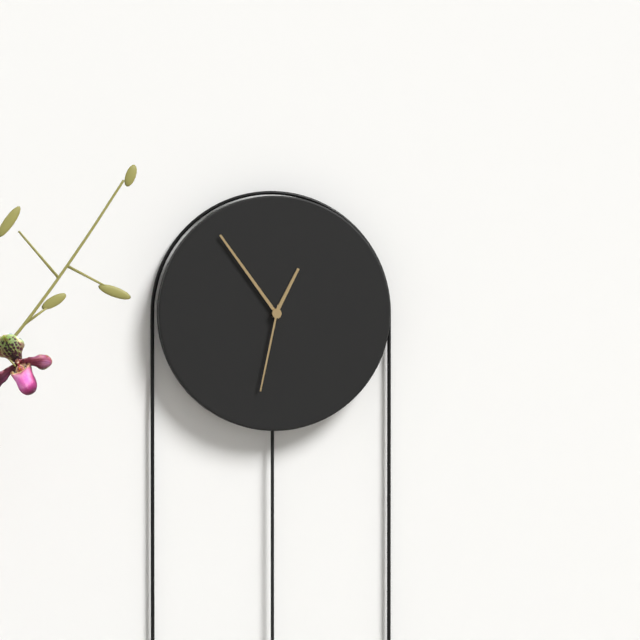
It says 12h54m32s
